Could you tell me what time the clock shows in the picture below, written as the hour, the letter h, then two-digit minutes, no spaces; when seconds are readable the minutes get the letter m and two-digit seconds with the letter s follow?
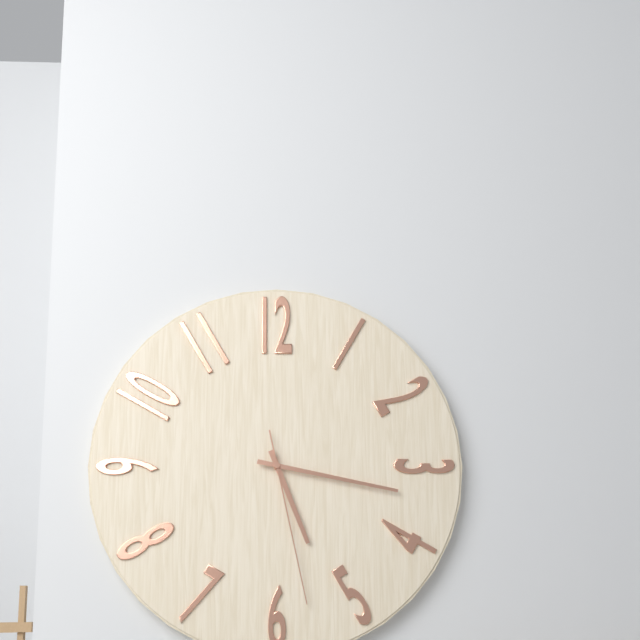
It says 5h17m28s
